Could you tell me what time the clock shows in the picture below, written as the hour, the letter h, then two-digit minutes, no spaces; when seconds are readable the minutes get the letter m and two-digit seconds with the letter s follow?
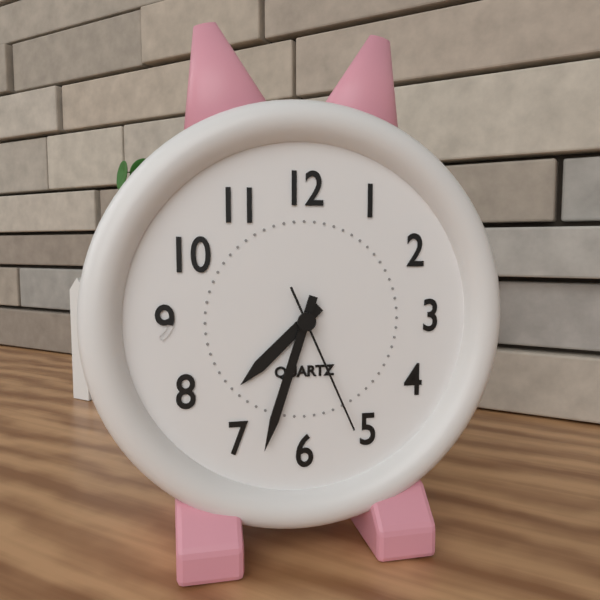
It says 7h33m26s
